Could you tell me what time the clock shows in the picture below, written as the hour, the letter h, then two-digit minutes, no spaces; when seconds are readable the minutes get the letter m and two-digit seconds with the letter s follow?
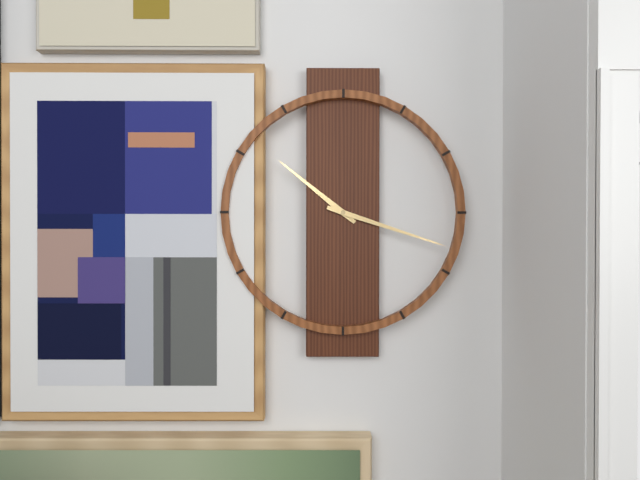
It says 10h18
